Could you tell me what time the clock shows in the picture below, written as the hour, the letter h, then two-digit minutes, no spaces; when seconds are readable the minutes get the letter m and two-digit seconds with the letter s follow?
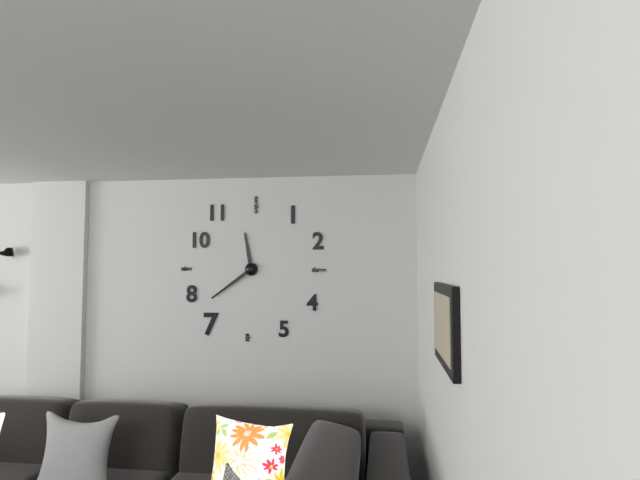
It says 11h39
